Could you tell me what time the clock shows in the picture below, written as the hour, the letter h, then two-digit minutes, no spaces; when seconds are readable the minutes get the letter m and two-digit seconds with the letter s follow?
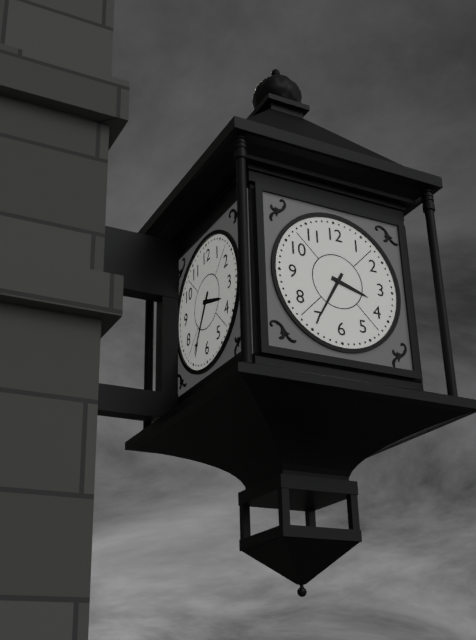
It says 3h35
